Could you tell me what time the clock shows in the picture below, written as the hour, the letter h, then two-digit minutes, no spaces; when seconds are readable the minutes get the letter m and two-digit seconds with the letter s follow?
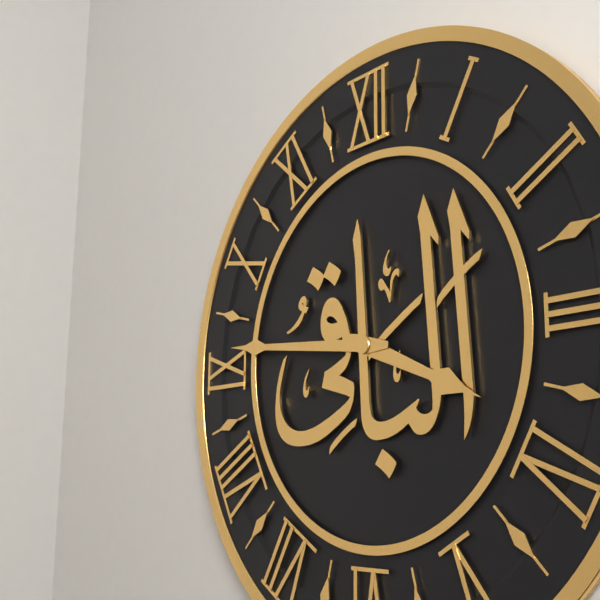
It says 3h46
